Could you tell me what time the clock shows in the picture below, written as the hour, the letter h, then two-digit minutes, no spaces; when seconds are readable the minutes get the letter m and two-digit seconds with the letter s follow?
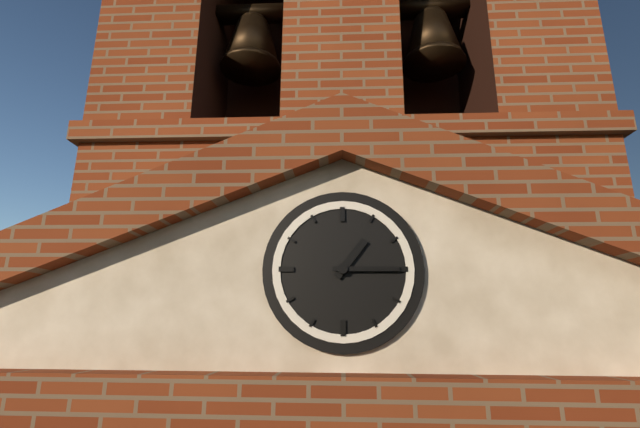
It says 1h15
